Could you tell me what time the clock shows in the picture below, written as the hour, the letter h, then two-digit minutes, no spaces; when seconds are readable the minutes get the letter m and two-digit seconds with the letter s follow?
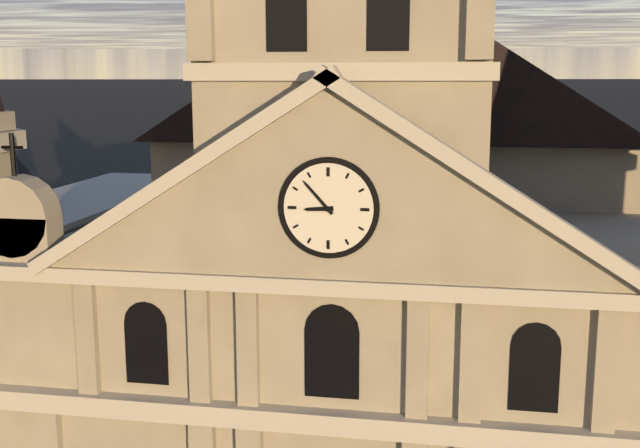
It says 8h53
